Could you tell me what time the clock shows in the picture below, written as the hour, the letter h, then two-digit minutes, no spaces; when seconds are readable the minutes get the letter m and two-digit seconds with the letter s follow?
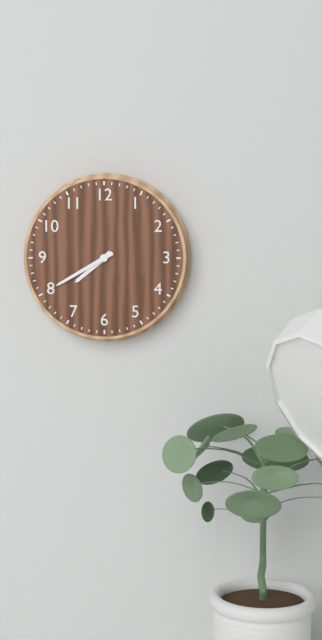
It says 7h40
